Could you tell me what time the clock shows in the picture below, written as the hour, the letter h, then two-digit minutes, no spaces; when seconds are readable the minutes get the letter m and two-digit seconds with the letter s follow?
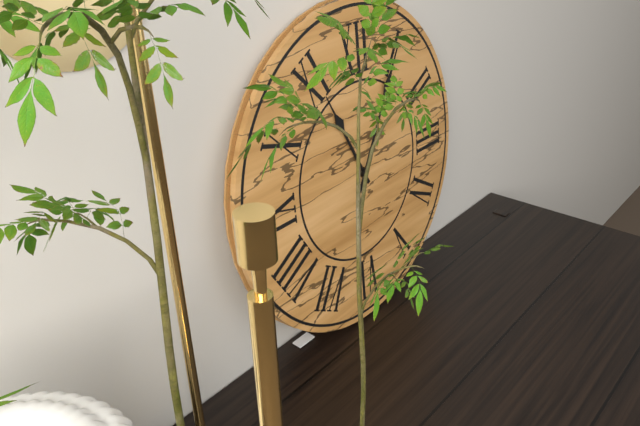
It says 11h05
